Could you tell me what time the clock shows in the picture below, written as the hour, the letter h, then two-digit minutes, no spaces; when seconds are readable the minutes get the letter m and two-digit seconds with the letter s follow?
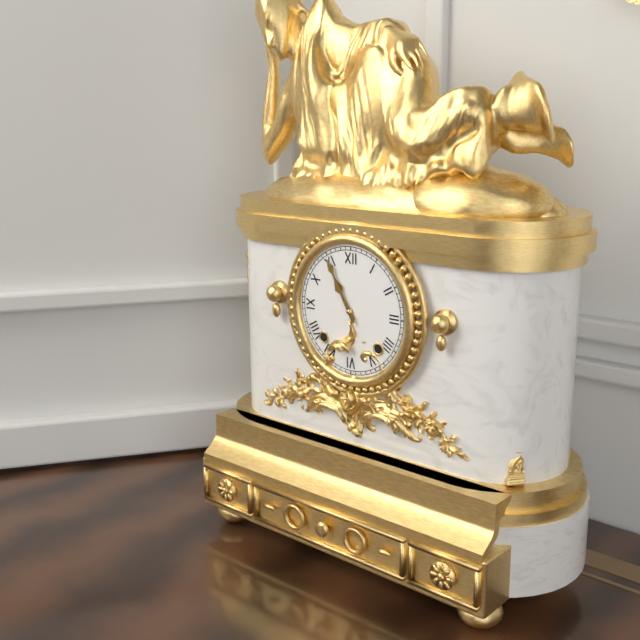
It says 10h55
